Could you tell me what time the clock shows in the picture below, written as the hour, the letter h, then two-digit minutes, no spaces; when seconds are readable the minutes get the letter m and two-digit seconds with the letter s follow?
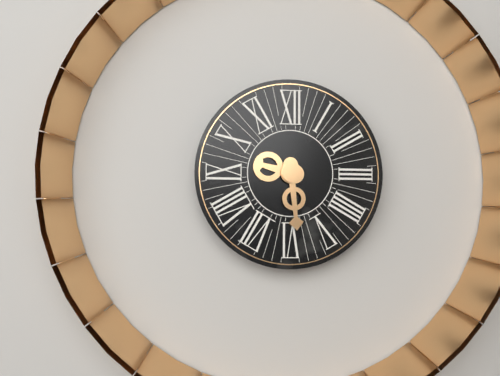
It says 9h29
